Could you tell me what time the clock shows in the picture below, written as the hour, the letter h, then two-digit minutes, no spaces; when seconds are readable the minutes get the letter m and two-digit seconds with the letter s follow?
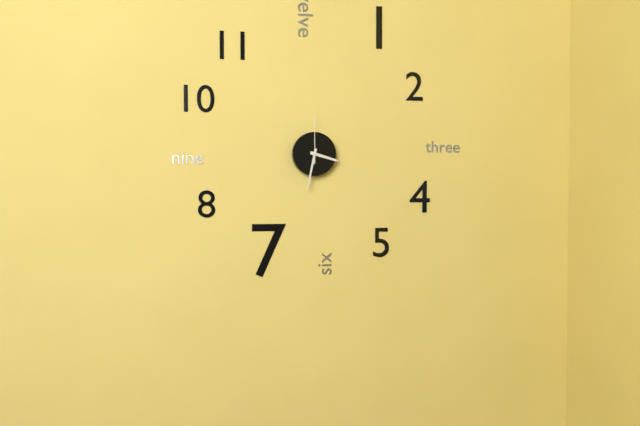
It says 3h32
